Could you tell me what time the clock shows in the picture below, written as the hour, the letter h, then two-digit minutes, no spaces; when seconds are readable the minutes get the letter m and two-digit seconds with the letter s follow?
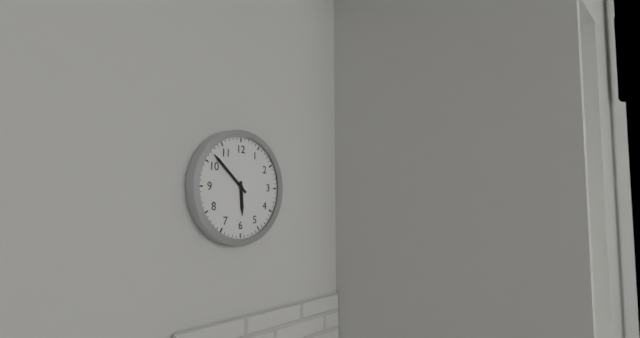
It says 5h52
